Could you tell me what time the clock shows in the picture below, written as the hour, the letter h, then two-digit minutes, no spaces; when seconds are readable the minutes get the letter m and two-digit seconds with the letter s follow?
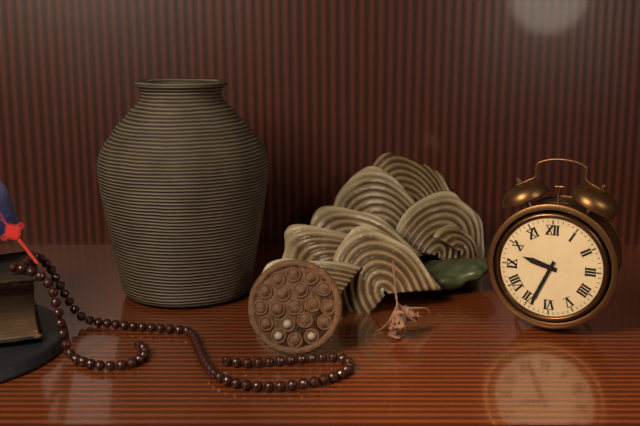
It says 9h34
